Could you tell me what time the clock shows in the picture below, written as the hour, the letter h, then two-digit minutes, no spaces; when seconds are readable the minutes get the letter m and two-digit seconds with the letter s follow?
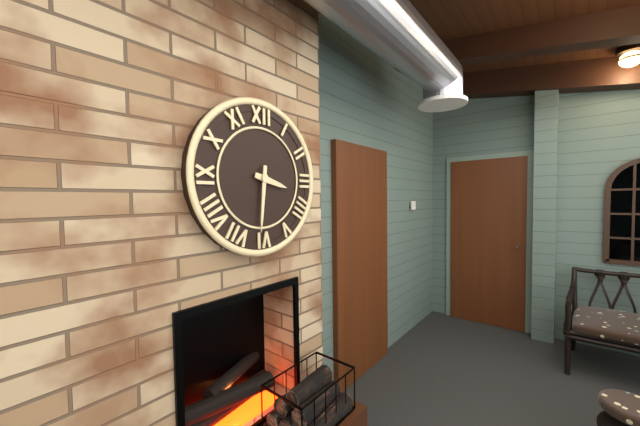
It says 3h31
